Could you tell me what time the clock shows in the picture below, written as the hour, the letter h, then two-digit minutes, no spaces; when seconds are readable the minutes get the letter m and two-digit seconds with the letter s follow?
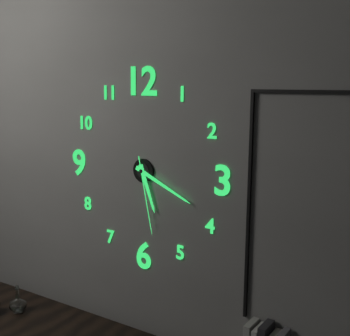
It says 5h19m28s
